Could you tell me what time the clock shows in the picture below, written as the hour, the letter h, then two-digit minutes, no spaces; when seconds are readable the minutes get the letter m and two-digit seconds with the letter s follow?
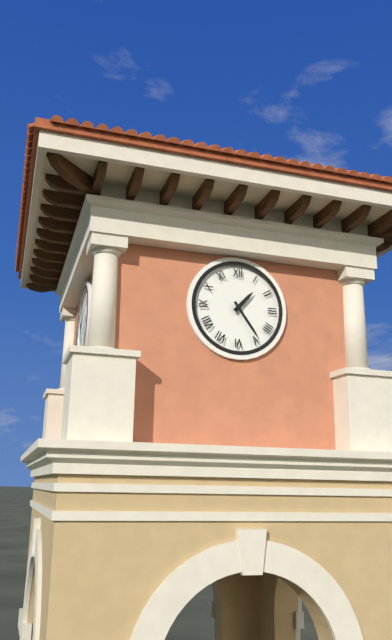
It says 1h24
